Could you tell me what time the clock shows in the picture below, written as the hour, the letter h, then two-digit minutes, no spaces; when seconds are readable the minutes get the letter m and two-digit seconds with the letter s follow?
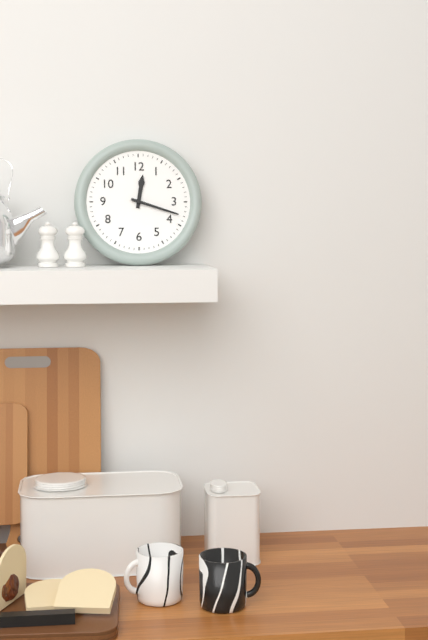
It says 12h18
